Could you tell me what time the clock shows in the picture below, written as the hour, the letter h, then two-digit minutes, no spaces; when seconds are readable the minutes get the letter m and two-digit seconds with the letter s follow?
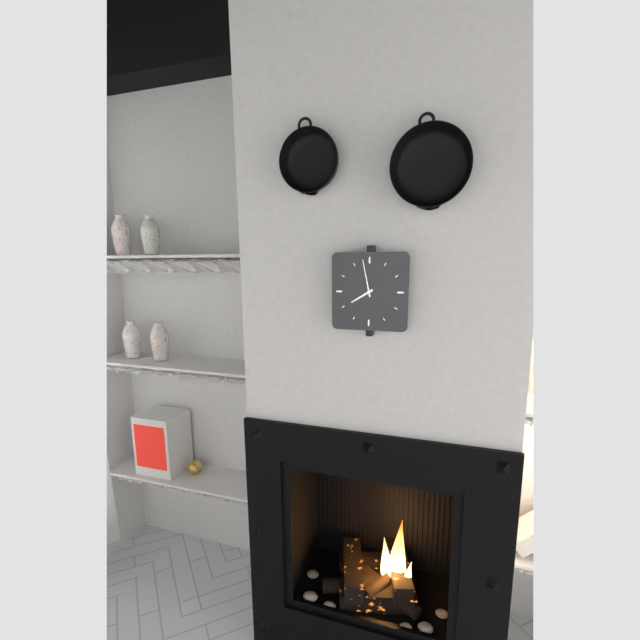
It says 7h58
